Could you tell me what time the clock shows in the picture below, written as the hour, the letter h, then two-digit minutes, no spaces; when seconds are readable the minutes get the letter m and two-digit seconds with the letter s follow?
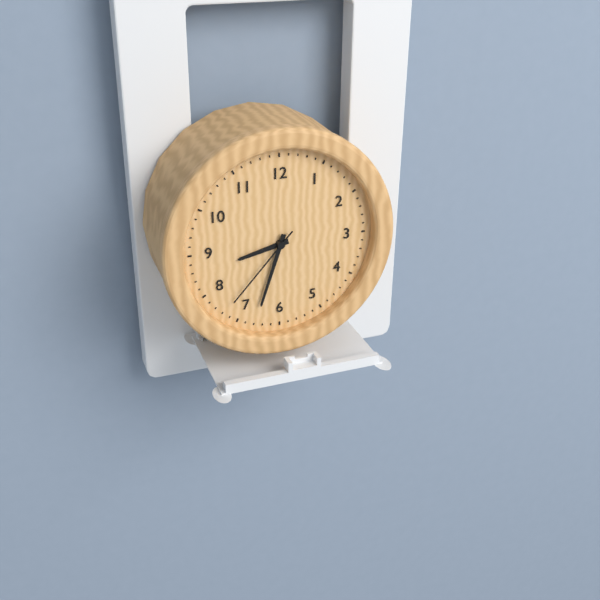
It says 8h33m37s
